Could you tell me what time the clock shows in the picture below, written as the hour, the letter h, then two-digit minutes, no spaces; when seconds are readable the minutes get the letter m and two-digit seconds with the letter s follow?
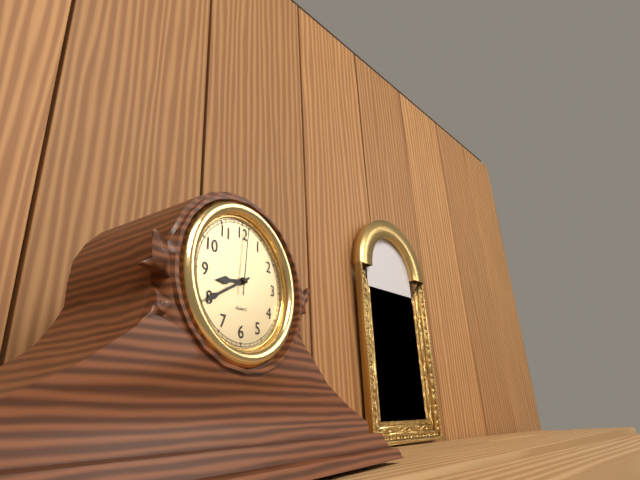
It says 8h40m01s
